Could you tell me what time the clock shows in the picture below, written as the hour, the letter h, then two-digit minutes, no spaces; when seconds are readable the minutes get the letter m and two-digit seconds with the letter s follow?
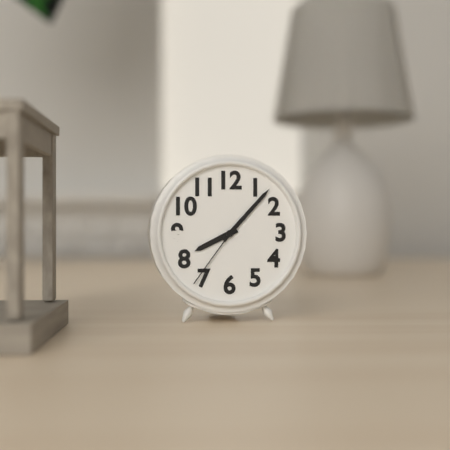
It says 8h07m36s
